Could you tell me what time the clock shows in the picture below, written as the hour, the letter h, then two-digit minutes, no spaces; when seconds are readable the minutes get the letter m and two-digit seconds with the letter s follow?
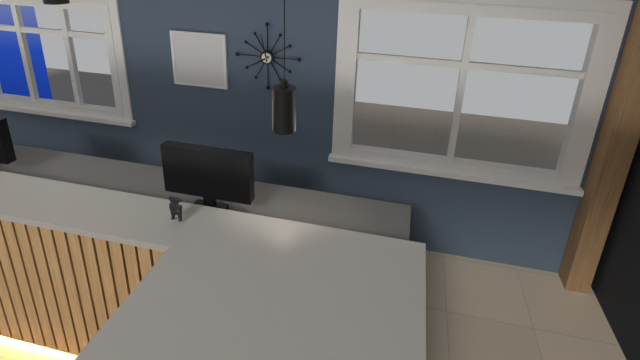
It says 7h58
